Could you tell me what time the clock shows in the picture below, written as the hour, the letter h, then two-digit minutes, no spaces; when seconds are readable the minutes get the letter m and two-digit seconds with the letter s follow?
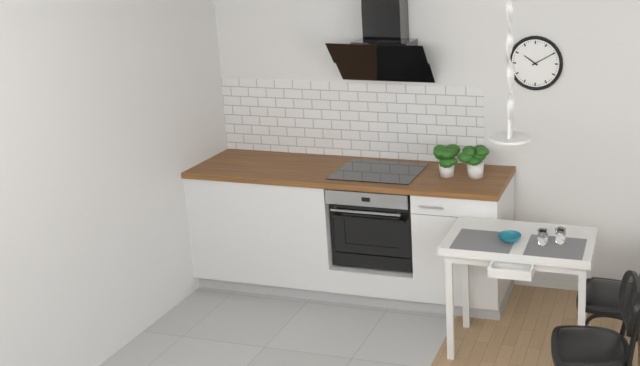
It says 10h10
